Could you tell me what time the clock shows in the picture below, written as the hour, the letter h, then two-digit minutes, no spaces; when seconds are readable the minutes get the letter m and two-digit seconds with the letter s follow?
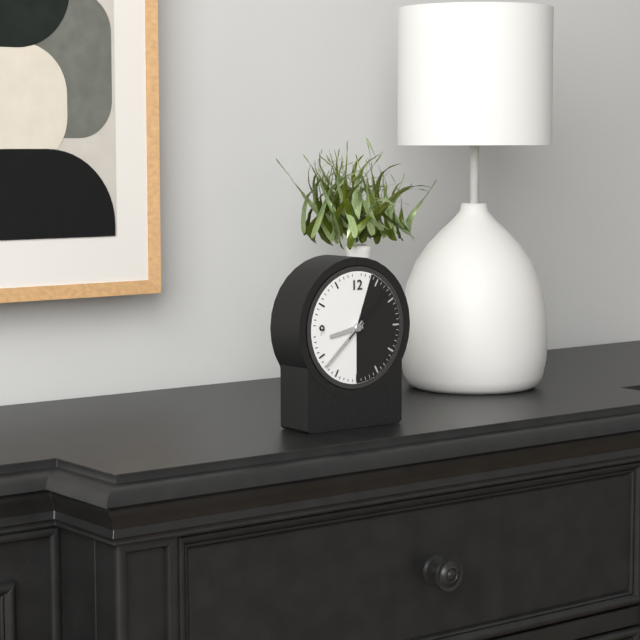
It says 8h38m08s
